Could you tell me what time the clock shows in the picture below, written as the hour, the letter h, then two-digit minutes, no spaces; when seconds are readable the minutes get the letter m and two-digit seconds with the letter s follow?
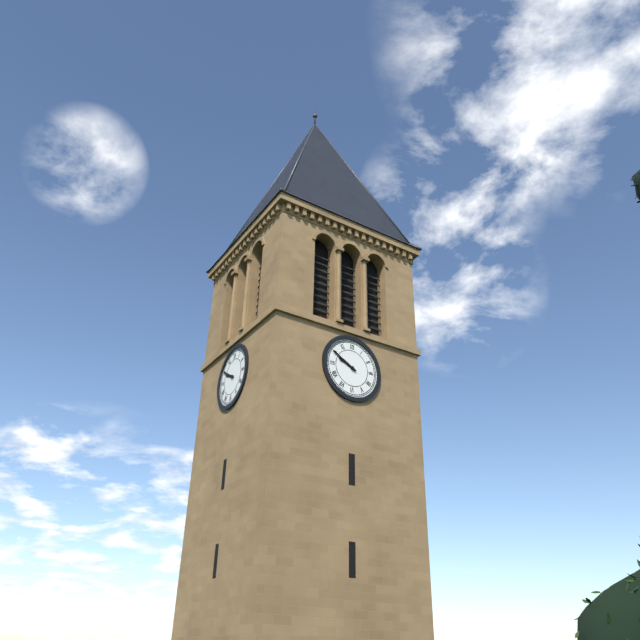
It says 9h50
